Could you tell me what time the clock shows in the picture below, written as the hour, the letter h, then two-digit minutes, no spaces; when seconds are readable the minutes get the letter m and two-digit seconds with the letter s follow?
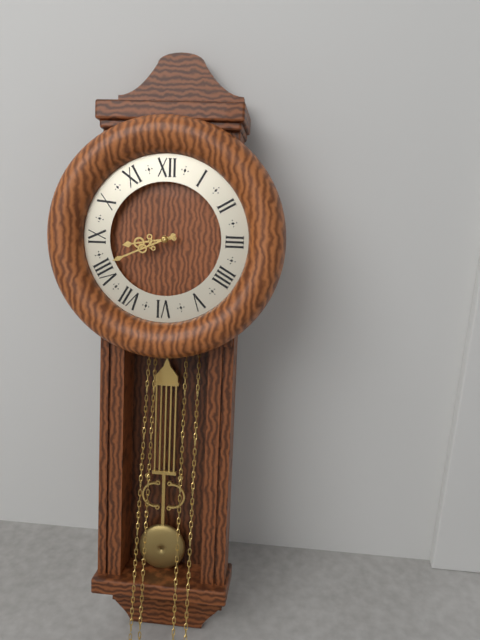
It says 8h41
